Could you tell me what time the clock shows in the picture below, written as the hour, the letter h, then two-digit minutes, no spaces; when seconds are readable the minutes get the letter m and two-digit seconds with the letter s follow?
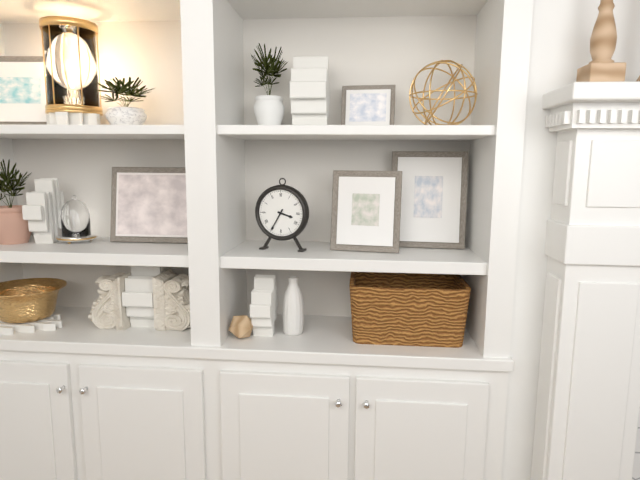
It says 3h35
